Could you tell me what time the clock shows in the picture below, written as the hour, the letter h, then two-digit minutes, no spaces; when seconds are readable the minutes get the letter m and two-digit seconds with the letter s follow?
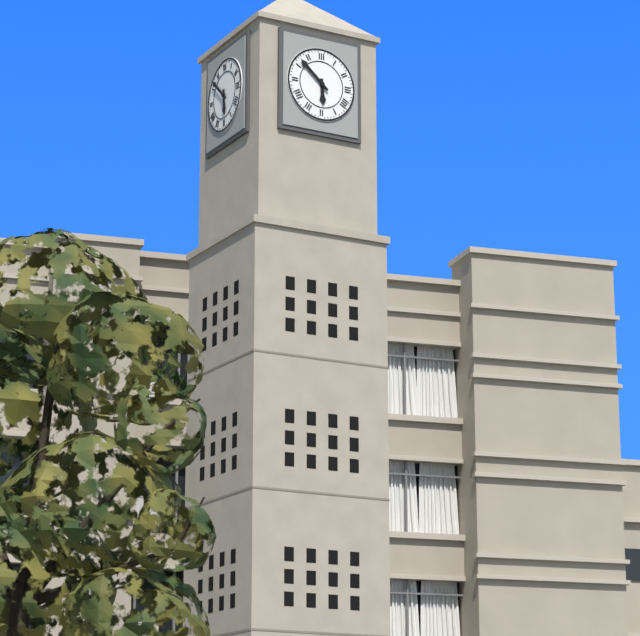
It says 5h52
